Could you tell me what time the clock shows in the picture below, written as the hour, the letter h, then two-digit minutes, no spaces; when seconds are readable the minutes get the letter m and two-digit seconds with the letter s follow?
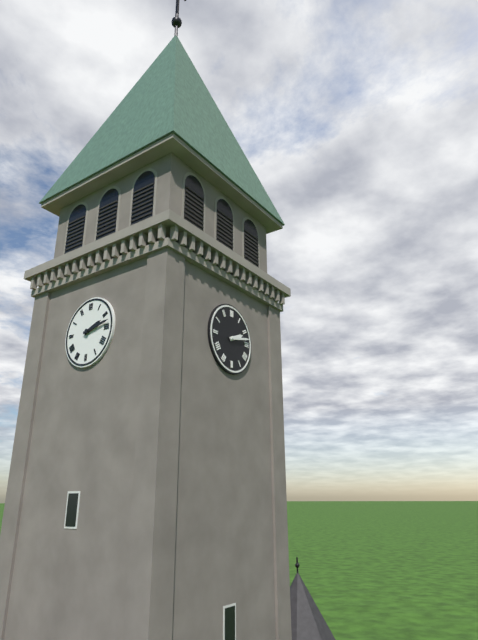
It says 2h13
